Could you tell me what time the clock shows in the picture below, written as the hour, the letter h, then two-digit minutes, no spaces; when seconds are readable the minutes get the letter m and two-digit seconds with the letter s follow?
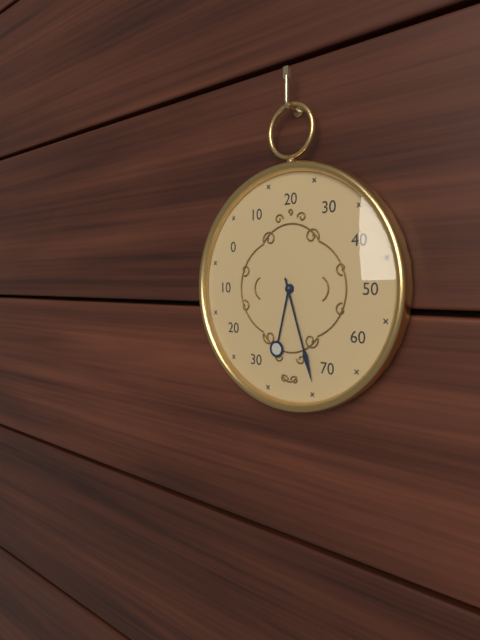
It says 6h27
